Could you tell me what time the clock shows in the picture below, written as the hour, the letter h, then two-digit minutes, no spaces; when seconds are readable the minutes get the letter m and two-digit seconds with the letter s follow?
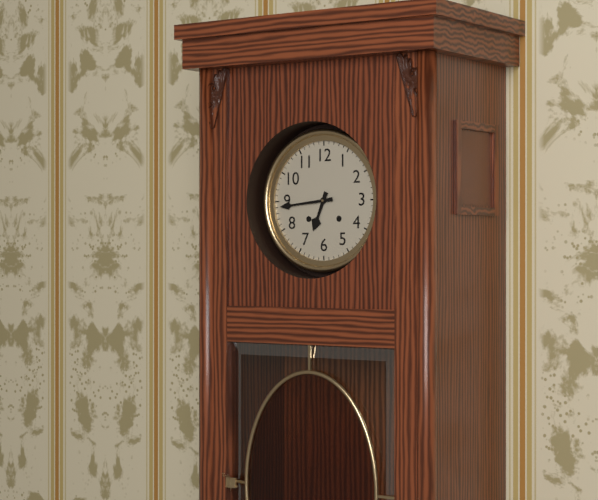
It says 6h44
